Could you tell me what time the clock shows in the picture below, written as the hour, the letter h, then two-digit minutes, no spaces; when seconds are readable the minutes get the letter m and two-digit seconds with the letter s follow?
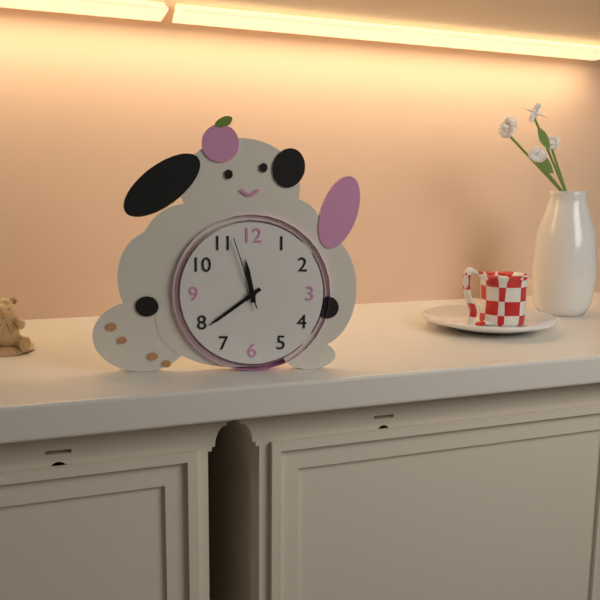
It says 11h39m57s
